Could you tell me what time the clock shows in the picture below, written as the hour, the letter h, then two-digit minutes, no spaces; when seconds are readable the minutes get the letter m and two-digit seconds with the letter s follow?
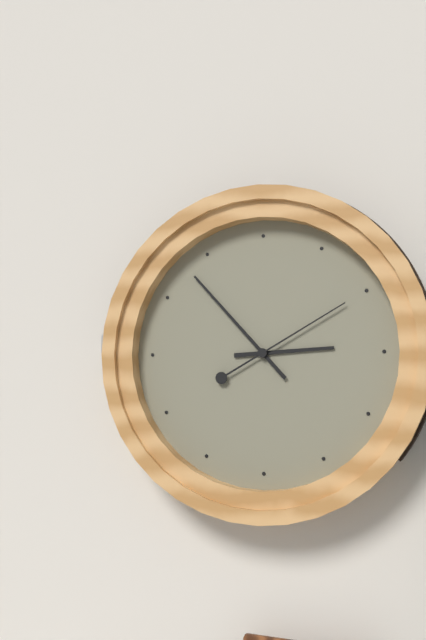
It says 2h53m10s
